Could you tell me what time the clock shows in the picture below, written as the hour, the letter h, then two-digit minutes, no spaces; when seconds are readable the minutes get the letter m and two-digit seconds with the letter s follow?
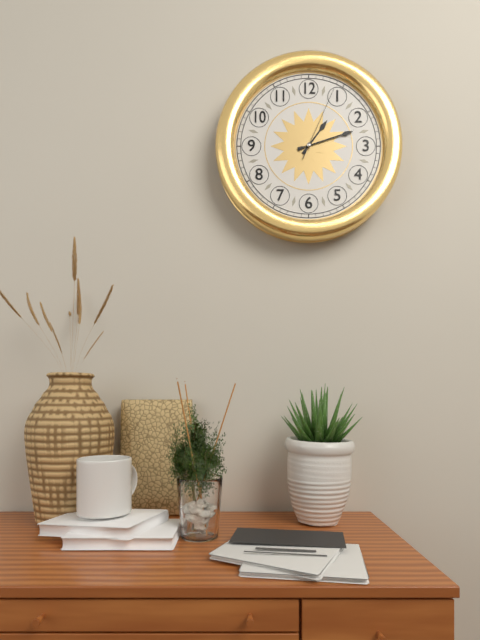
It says 1h12m04s
